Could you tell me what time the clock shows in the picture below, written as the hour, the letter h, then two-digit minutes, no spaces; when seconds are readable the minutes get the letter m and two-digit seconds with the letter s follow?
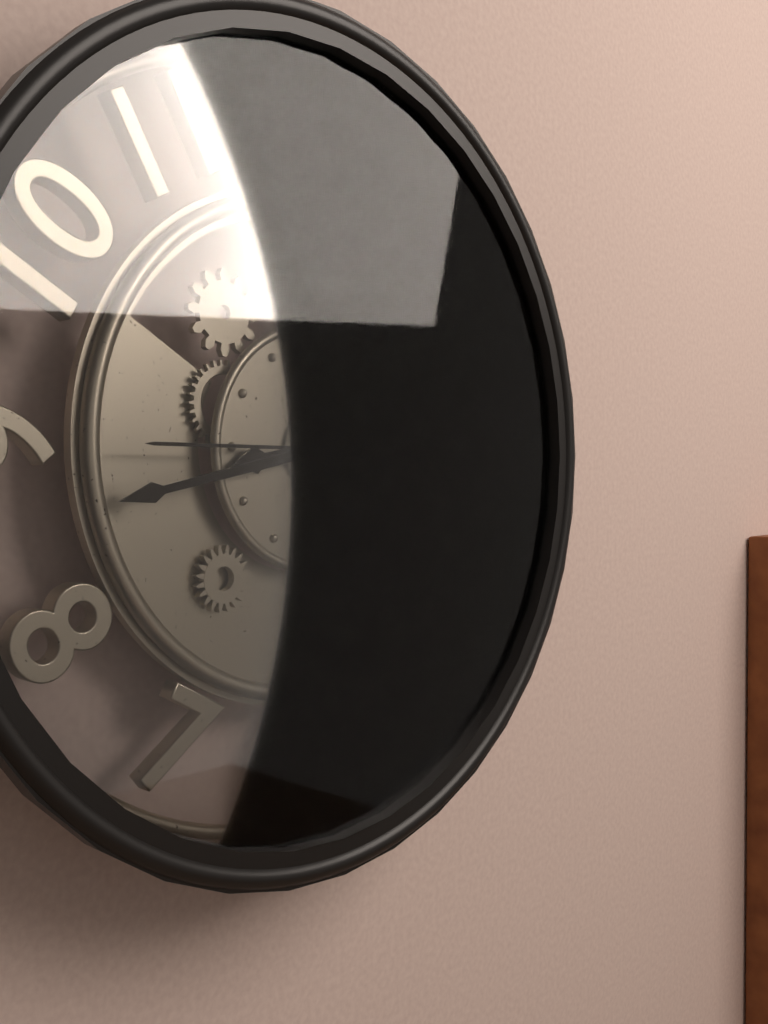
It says 8h43m45s
